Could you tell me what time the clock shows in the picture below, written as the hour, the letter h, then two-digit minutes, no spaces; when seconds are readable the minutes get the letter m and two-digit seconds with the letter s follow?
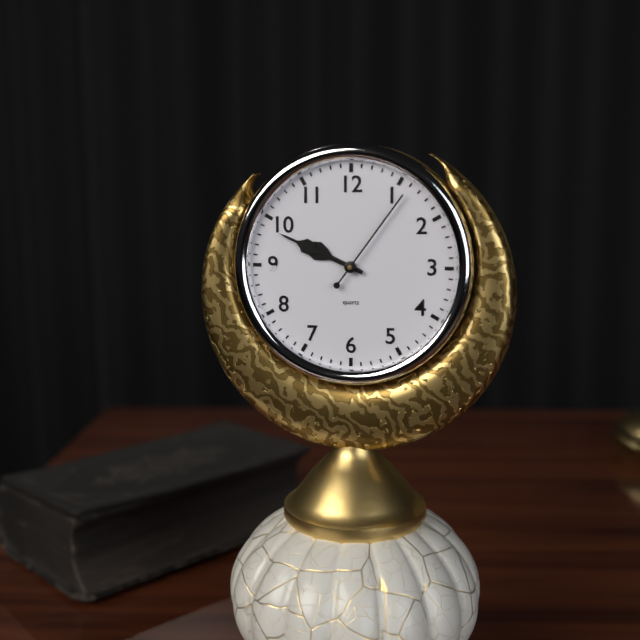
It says 9h49m06s
